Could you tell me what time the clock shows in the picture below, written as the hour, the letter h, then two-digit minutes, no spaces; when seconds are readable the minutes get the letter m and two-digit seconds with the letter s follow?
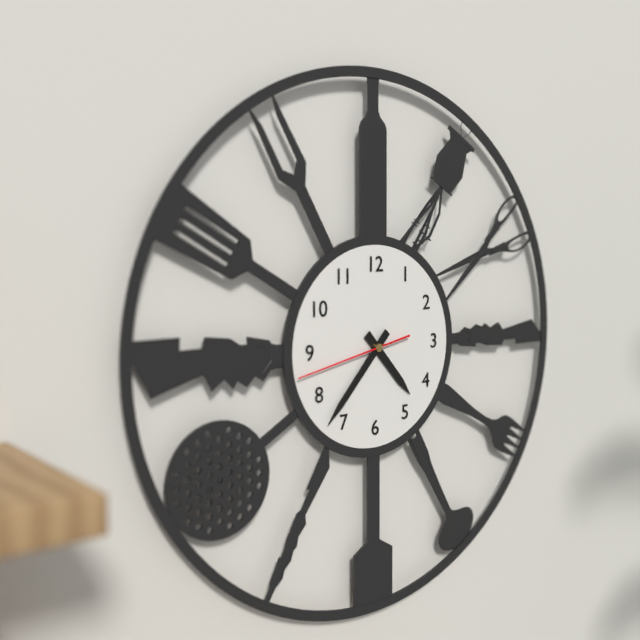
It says 4h37m43s
